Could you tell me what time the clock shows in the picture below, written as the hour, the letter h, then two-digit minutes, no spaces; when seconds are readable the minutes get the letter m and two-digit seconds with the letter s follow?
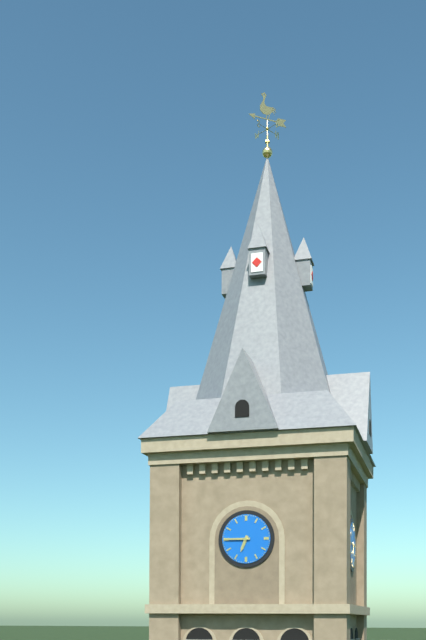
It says 6h45
